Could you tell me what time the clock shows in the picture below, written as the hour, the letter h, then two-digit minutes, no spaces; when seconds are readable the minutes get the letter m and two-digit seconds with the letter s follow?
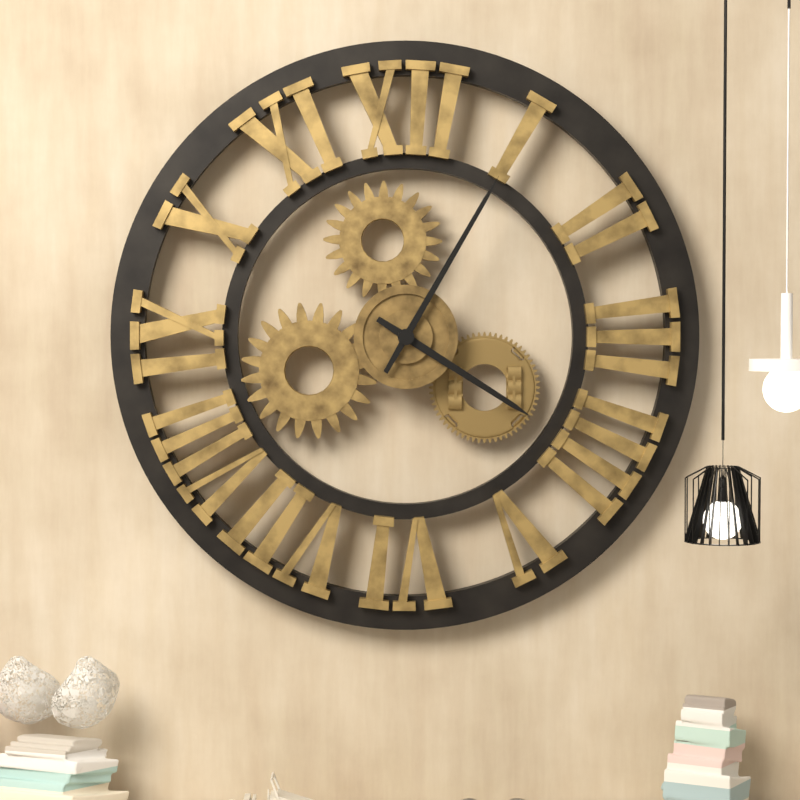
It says 4h05
